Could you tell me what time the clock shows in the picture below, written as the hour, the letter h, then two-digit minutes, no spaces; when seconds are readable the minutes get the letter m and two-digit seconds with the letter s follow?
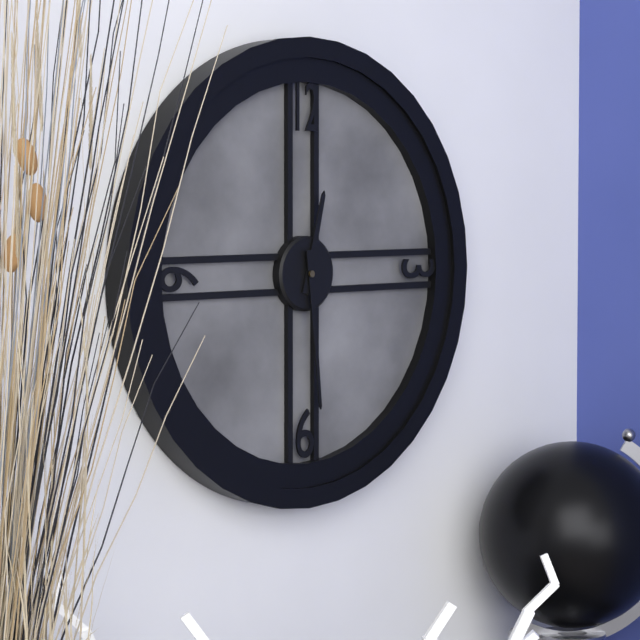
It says 12h29
